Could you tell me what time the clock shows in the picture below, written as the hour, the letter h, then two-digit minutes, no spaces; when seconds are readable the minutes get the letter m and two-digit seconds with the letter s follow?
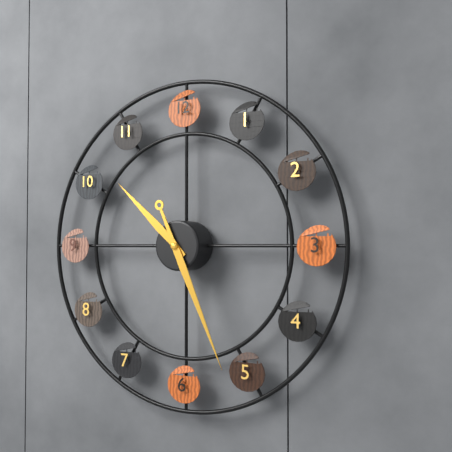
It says 10h26
